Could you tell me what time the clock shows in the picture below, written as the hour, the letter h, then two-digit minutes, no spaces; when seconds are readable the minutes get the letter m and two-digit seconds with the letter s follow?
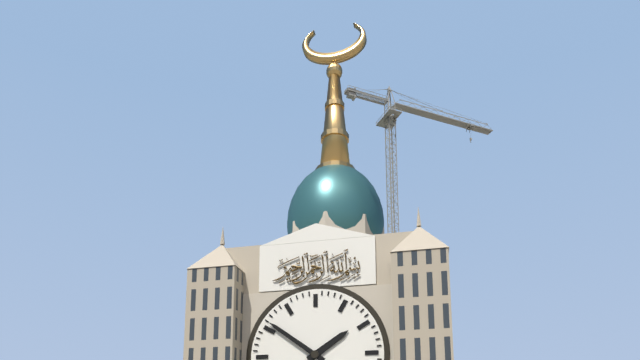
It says 1h51
